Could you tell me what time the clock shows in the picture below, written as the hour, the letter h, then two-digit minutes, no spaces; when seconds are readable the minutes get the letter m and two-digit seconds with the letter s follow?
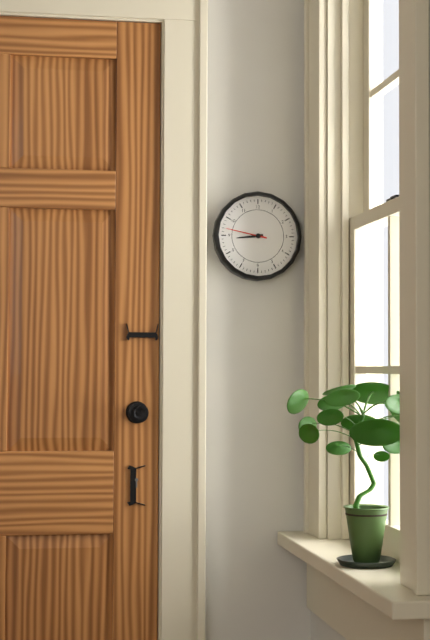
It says 8h47
